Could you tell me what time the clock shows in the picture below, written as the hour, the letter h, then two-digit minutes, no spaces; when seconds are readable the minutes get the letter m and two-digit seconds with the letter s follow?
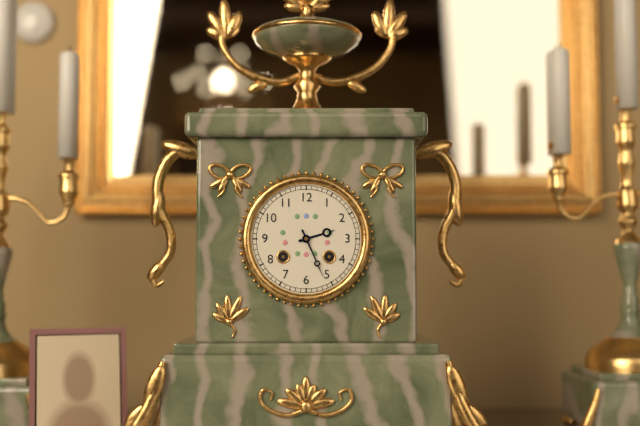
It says 2h26
